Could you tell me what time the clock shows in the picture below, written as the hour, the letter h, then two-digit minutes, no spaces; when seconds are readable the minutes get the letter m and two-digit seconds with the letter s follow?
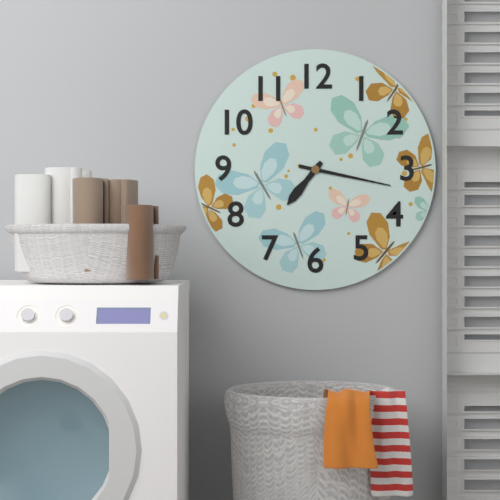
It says 7h17
